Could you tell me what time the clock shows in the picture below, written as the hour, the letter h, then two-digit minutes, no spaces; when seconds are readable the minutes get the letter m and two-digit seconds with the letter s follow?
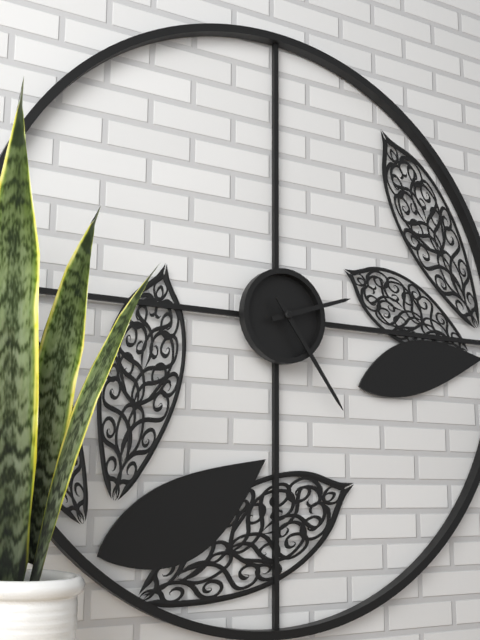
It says 2h24
